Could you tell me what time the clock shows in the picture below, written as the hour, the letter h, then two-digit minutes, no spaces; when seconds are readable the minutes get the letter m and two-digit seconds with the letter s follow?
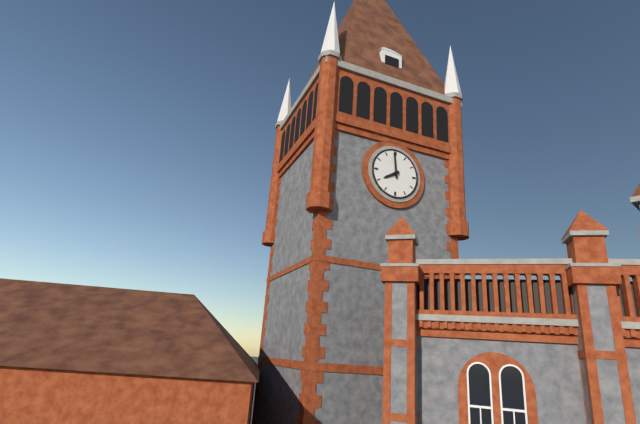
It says 7h59
